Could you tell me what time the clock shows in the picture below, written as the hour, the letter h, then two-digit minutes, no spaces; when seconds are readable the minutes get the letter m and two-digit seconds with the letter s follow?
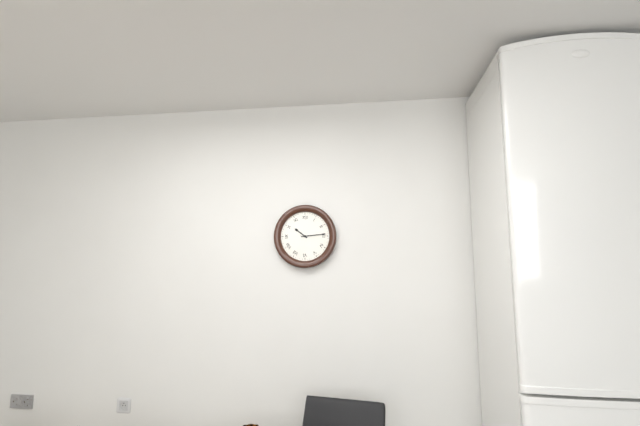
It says 10h14
